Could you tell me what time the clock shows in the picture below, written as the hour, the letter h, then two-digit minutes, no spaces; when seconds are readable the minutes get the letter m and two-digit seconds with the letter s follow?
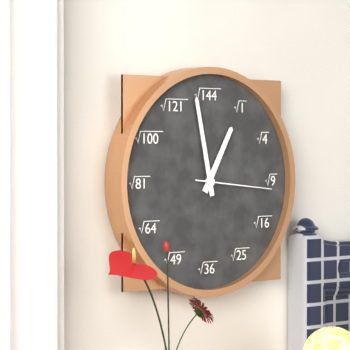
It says 12h58m16s
